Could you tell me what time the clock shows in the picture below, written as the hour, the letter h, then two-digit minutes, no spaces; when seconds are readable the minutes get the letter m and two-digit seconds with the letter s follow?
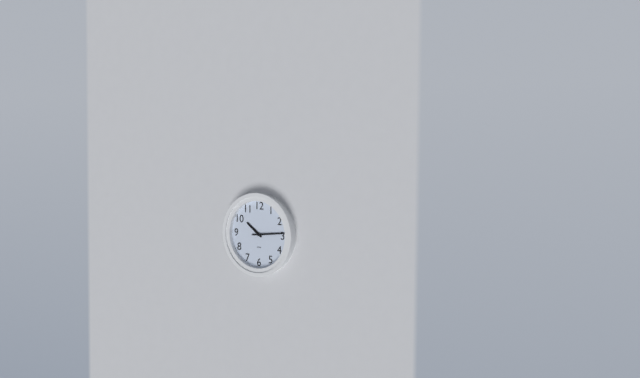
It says 10h14
